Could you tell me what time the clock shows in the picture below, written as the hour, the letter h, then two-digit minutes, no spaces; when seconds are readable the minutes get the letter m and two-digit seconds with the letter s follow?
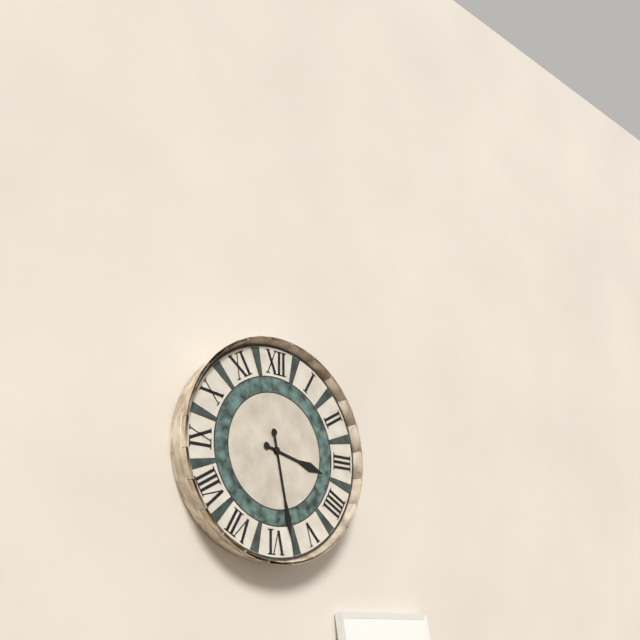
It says 3h28
